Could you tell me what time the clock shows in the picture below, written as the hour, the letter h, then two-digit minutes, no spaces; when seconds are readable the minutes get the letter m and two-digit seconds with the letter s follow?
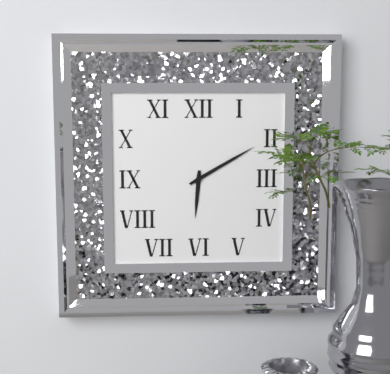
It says 6h10
